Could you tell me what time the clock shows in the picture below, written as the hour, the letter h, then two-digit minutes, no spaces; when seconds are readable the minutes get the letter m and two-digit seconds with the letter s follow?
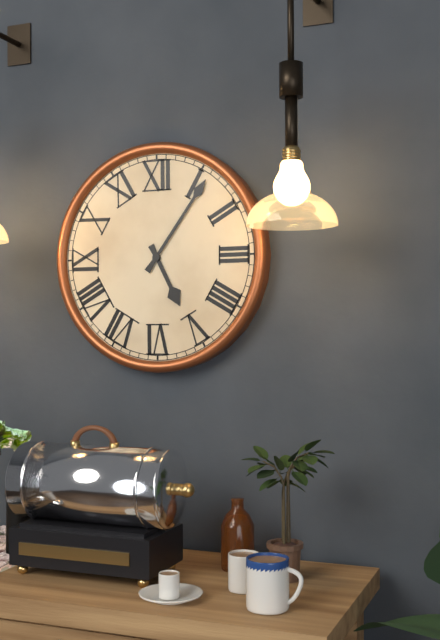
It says 5h06
